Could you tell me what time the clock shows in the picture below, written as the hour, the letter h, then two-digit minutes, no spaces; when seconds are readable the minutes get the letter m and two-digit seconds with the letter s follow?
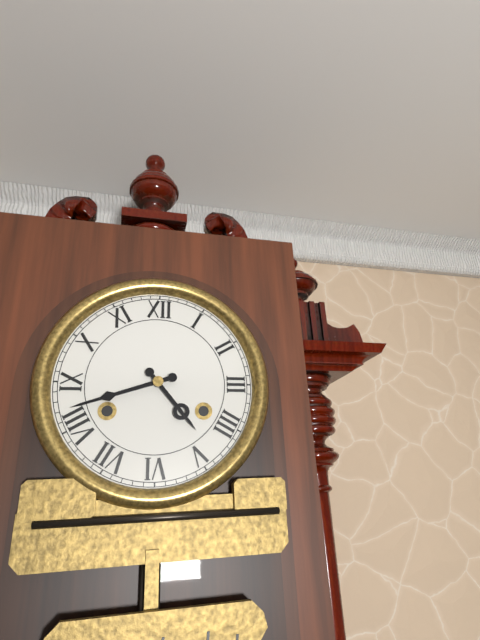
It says 4h42
